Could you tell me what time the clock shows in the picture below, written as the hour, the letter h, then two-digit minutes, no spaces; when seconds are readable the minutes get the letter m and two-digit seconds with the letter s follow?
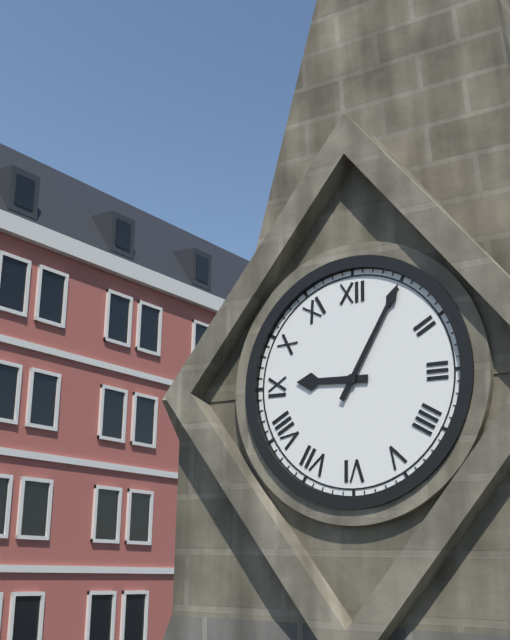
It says 9h05
